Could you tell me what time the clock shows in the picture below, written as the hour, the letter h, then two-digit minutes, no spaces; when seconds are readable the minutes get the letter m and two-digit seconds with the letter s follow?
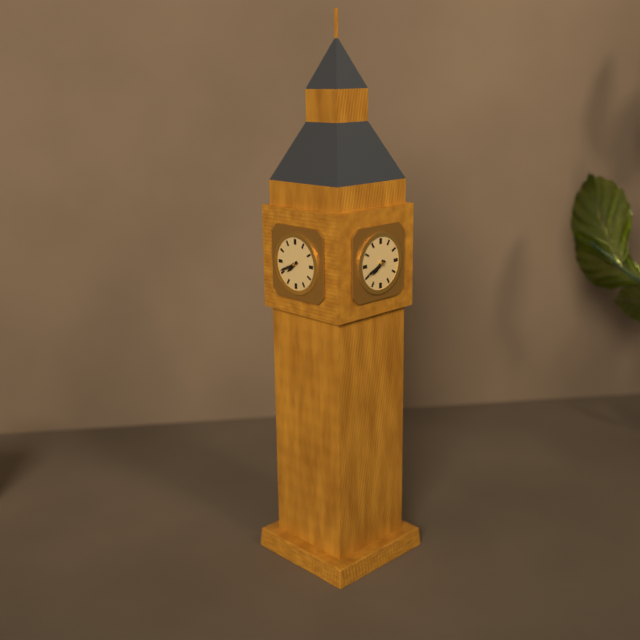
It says 7h41
